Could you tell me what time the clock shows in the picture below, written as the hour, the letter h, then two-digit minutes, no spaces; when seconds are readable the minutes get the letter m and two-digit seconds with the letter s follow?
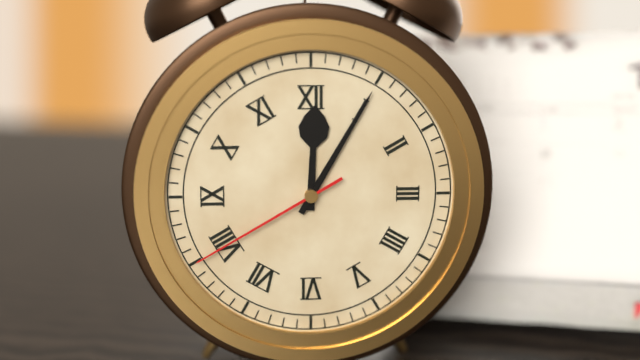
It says 12h05m40s
